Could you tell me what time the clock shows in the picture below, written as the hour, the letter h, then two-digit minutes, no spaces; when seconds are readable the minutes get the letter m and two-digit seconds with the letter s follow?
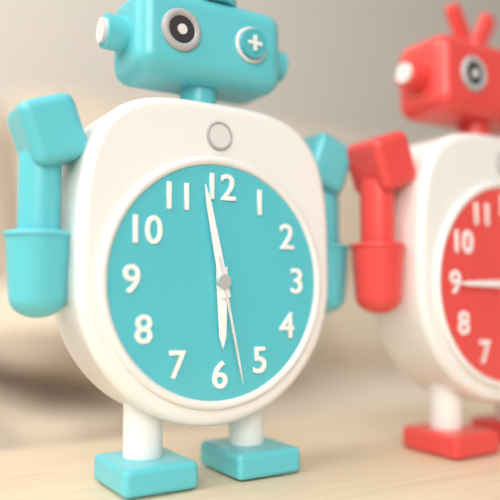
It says 5h58m28s
